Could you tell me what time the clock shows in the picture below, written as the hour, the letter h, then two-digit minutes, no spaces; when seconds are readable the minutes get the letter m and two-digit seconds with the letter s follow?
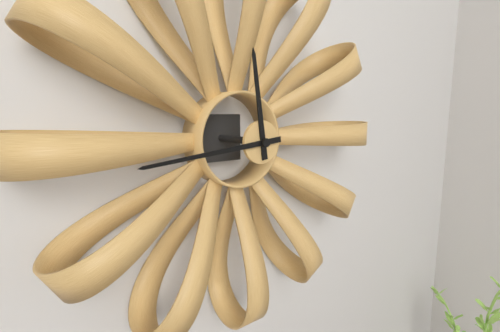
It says 11h44
